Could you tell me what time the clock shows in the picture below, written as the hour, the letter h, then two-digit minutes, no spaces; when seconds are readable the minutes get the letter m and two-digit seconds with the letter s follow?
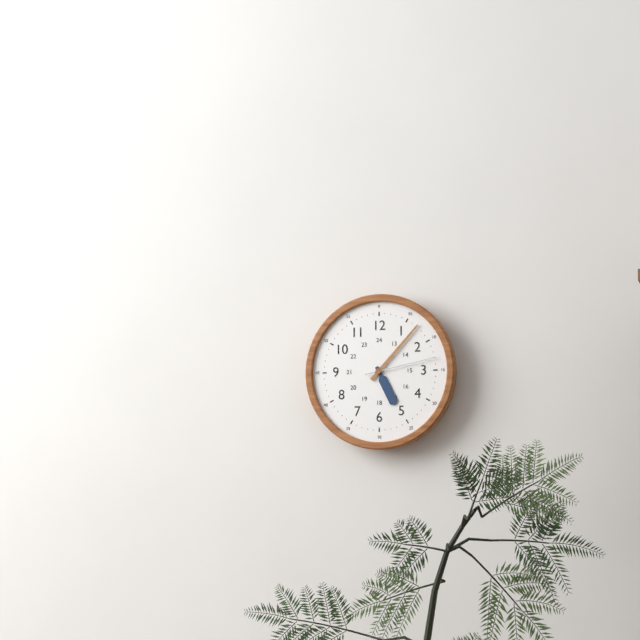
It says 5h07m13s
